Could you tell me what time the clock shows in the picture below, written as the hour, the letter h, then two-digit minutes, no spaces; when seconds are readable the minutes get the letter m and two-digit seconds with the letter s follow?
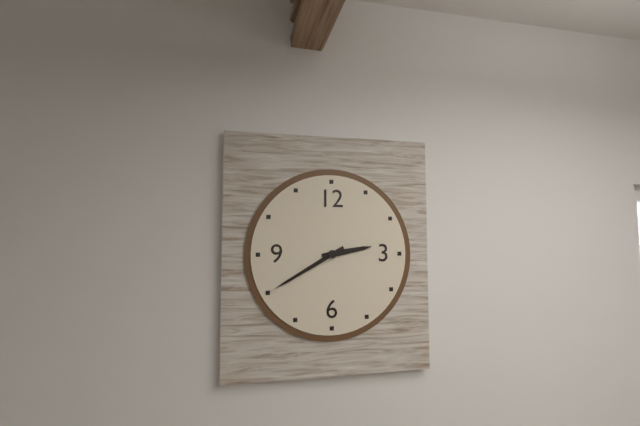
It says 2h40
